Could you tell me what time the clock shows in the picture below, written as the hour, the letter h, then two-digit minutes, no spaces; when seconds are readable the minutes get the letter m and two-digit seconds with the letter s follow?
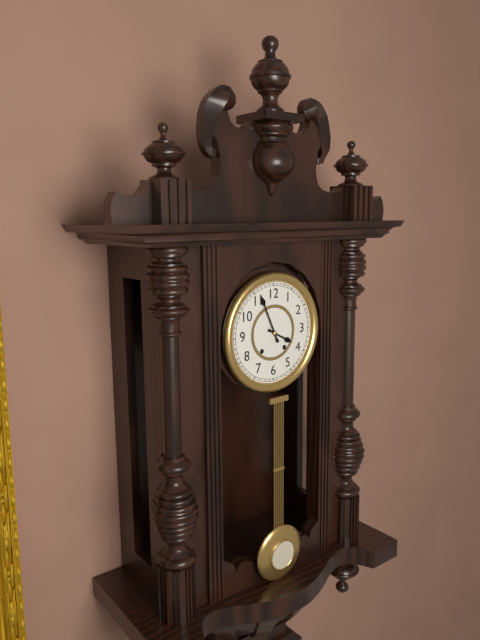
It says 3h56
